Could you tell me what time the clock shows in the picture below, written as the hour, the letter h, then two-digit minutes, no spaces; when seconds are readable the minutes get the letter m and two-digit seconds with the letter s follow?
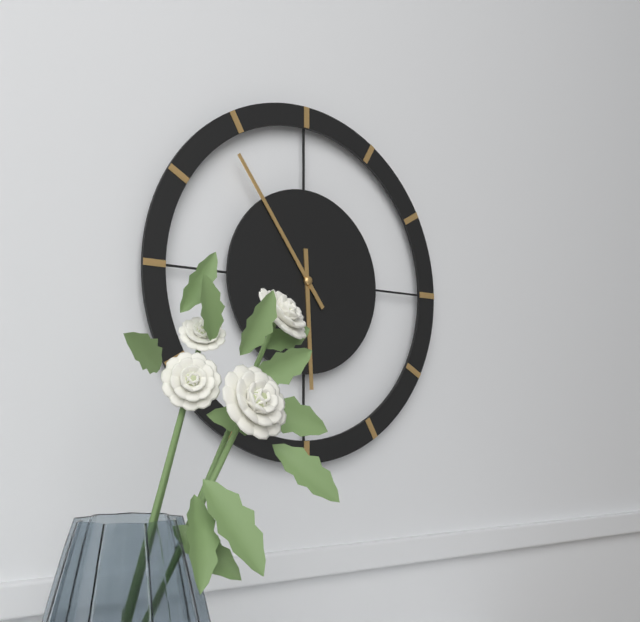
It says 5h54
